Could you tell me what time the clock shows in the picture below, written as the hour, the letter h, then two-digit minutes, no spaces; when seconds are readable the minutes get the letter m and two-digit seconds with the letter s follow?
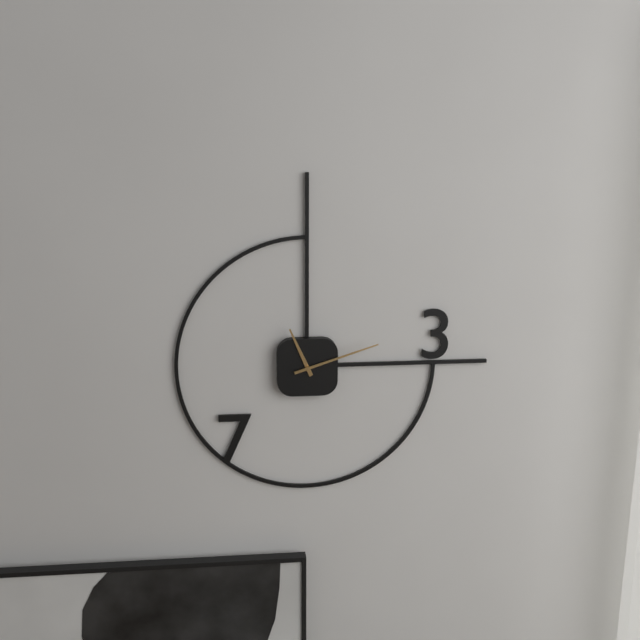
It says 11h12
